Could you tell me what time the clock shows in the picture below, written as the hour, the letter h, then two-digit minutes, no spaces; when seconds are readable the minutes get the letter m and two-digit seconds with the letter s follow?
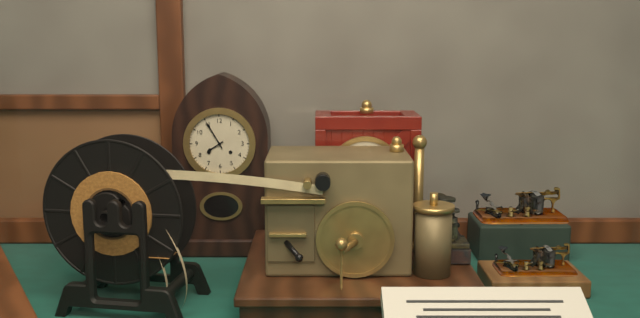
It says 7h55
